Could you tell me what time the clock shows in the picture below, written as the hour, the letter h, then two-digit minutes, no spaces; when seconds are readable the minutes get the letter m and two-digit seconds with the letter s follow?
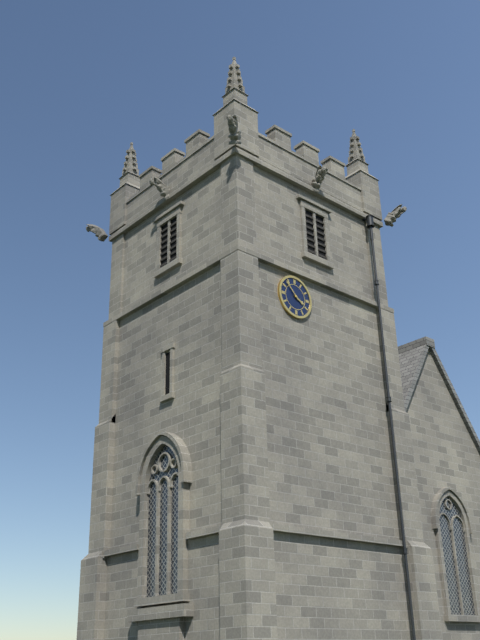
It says 3h53
